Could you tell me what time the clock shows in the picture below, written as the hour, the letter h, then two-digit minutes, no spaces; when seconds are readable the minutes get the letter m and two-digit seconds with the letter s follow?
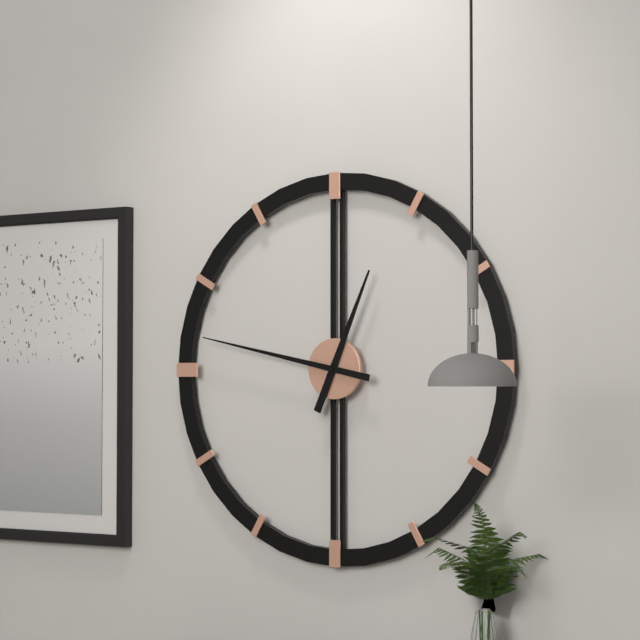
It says 12h47
